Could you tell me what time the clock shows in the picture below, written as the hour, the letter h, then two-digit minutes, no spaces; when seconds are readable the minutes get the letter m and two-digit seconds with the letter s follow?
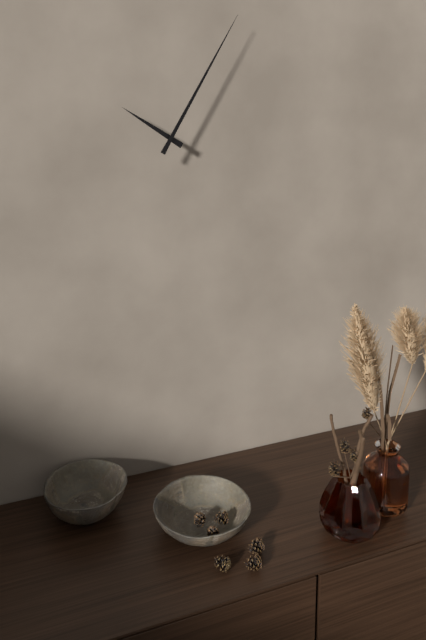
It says 10h05
